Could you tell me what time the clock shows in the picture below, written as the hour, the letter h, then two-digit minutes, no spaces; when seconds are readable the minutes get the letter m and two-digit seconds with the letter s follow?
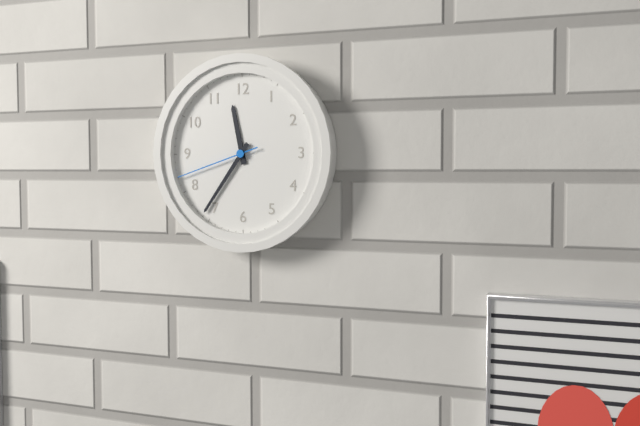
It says 11h36m42s
